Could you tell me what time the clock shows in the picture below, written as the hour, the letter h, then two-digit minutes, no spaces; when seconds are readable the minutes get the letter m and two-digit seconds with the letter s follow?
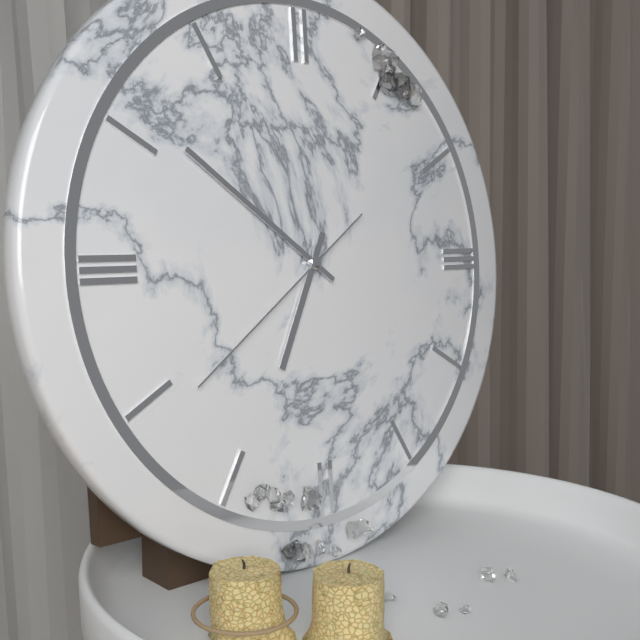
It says 6h51m39s
